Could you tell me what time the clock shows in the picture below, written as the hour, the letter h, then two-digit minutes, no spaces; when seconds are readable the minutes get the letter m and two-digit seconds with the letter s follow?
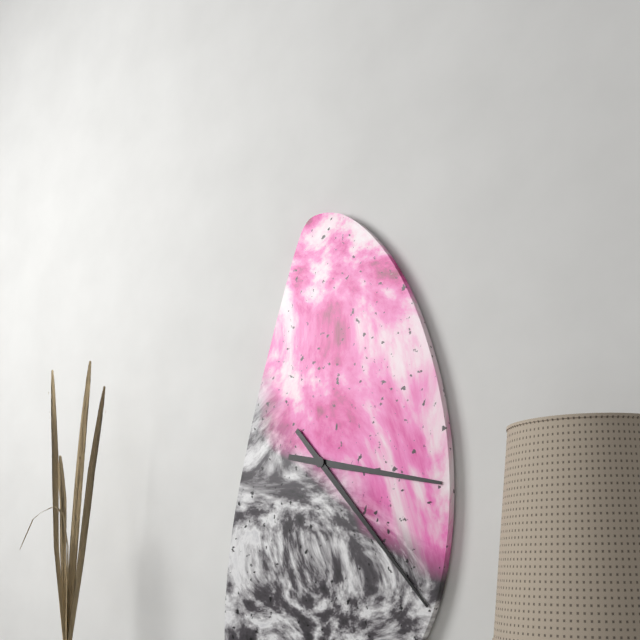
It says 3h23
